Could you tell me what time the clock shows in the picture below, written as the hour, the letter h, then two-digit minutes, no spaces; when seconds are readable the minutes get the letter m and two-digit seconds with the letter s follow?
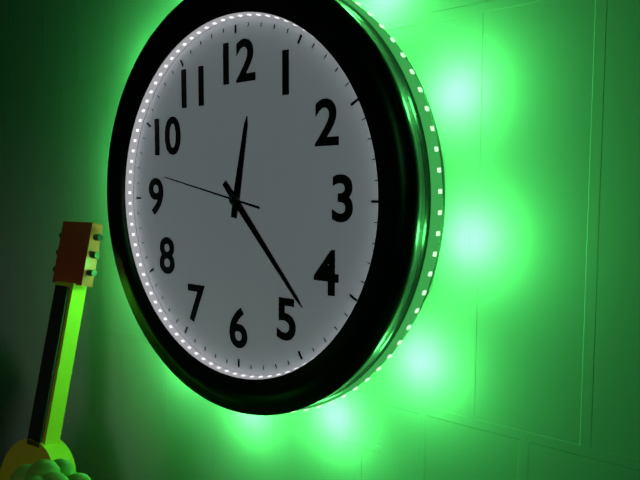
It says 12h23m47s
